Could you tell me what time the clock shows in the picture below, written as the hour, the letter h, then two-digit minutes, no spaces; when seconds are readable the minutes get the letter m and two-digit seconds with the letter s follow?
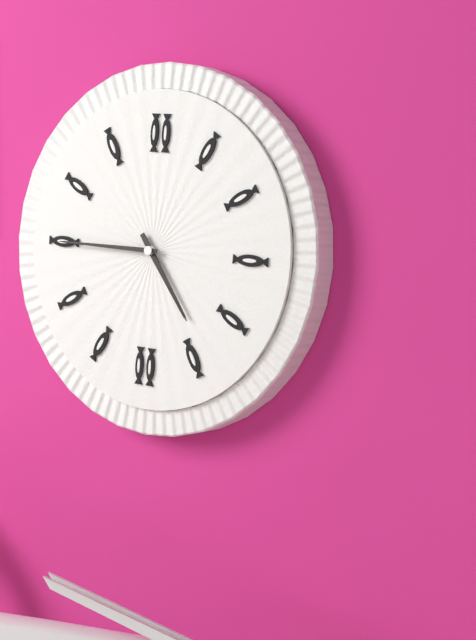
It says 4h45
